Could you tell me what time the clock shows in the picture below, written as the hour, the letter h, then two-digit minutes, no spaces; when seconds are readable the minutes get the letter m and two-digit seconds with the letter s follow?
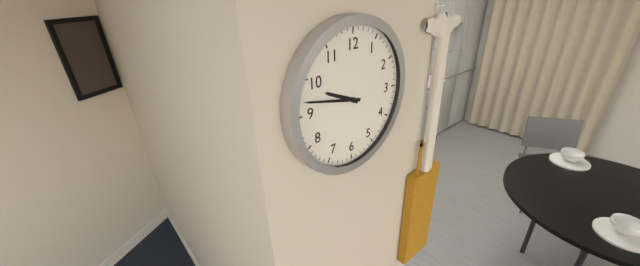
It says 9h47
